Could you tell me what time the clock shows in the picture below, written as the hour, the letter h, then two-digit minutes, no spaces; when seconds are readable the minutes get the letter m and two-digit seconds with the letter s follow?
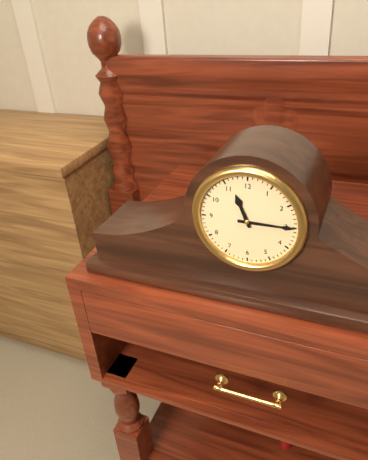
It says 11h15
